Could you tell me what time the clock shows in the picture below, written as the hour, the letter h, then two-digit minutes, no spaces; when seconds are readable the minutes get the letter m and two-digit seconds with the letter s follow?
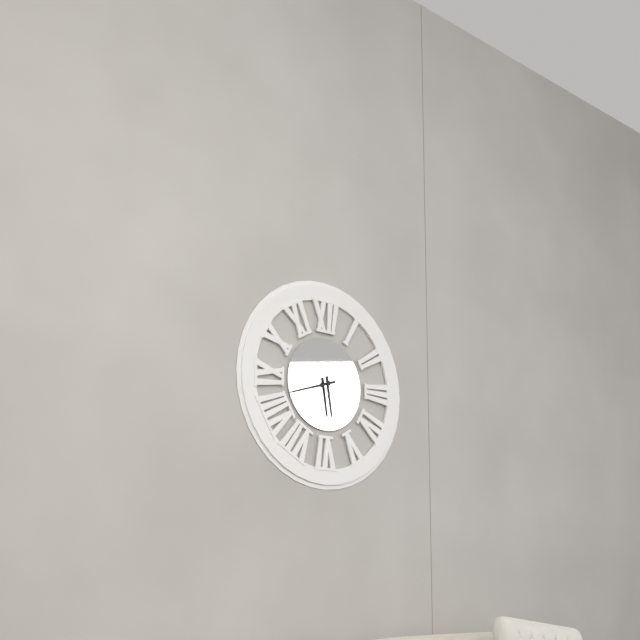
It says 5h42
